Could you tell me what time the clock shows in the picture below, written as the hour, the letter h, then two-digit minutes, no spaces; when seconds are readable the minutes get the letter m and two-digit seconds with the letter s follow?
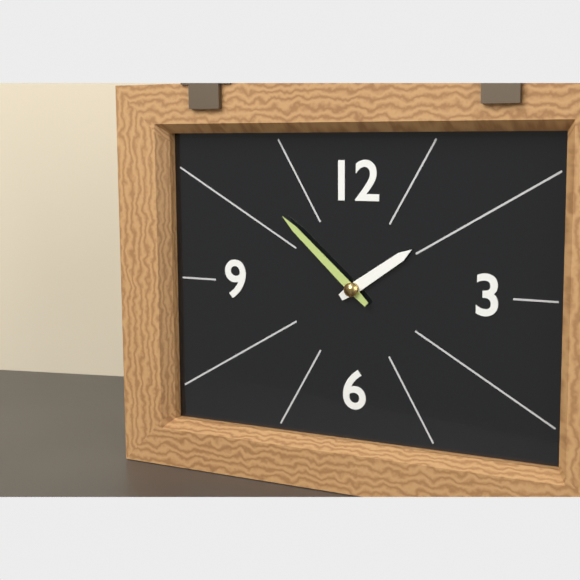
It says 1h52
